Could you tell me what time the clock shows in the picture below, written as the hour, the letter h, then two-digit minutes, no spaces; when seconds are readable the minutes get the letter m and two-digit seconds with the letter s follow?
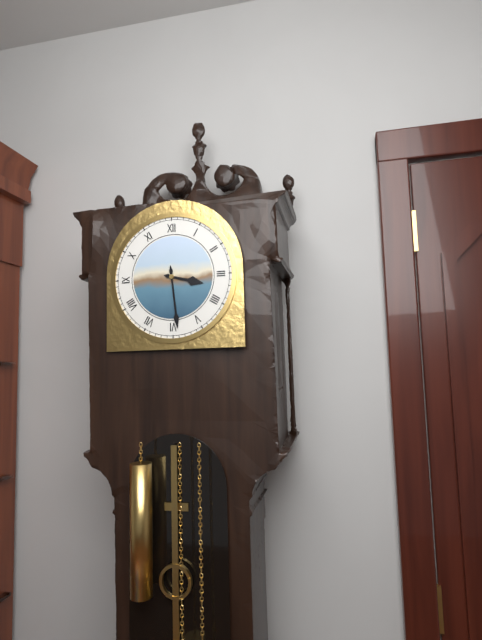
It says 3h29
